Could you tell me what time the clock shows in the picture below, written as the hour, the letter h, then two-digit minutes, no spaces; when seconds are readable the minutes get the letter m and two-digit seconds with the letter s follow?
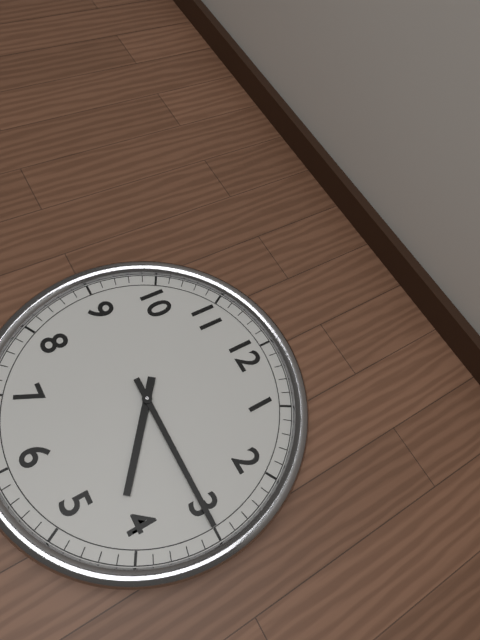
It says 4h15
